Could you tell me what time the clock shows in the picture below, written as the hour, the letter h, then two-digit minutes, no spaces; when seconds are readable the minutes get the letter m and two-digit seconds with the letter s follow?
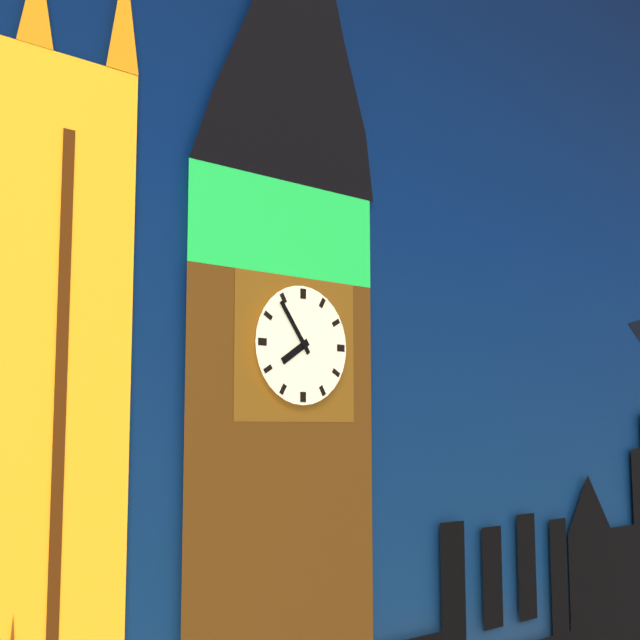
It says 7h54
